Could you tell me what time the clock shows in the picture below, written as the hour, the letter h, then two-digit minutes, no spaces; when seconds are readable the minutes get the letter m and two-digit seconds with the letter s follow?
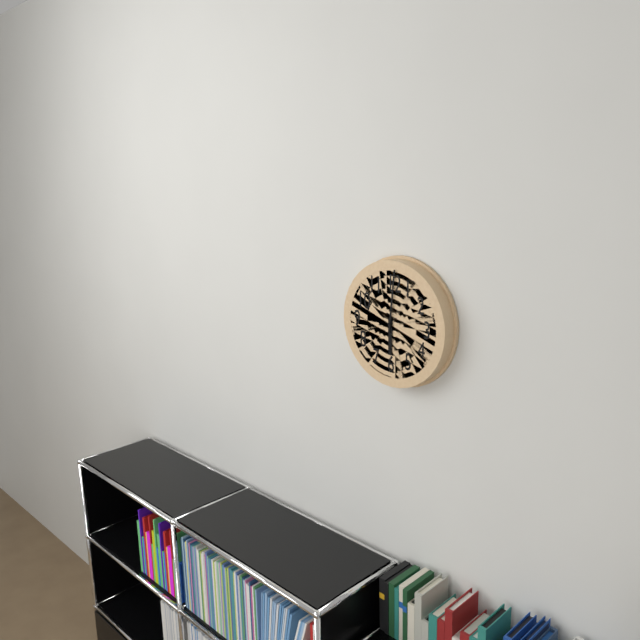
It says 6h01
